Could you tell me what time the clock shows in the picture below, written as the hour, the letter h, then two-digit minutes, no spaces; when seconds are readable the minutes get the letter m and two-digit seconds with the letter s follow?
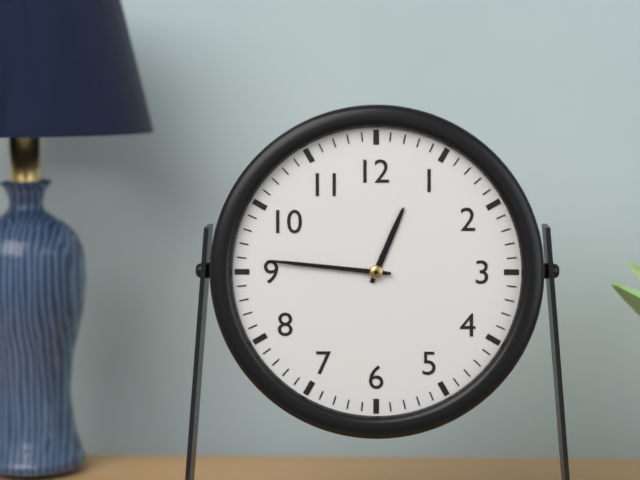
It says 12h46
